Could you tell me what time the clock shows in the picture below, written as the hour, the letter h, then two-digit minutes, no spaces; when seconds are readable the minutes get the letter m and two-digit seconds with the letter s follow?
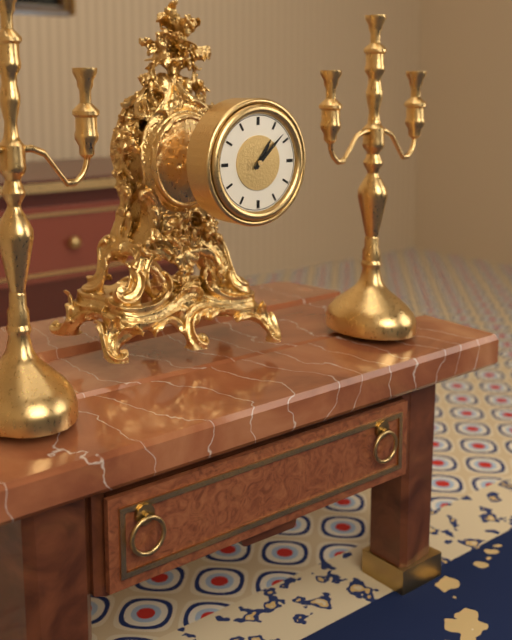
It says 1h08
